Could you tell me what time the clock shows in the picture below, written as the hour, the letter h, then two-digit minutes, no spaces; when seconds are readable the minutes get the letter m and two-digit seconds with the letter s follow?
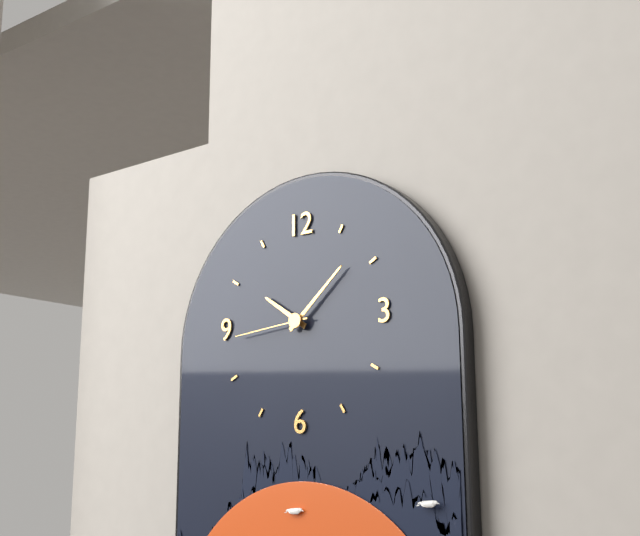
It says 10h08m44s
